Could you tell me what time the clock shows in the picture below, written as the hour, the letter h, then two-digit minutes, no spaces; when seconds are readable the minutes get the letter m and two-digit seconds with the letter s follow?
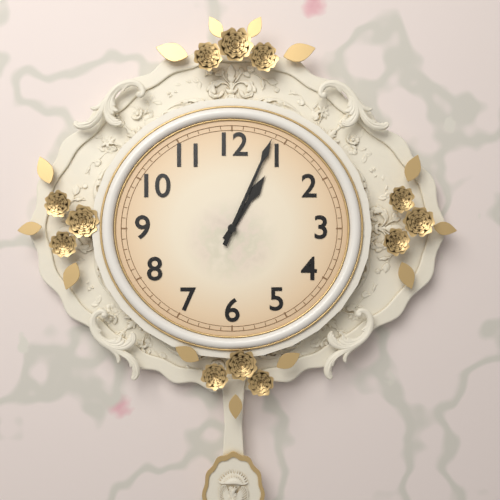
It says 1h04
